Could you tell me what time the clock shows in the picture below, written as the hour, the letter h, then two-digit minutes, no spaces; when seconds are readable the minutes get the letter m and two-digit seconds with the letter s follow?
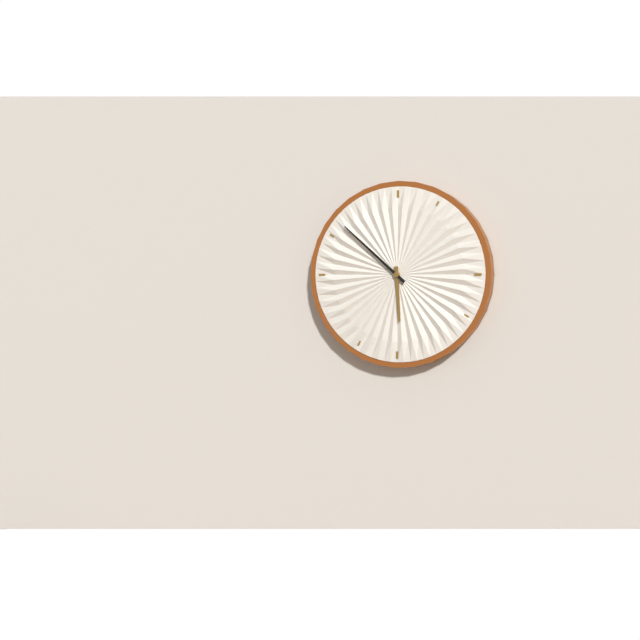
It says 5h52
